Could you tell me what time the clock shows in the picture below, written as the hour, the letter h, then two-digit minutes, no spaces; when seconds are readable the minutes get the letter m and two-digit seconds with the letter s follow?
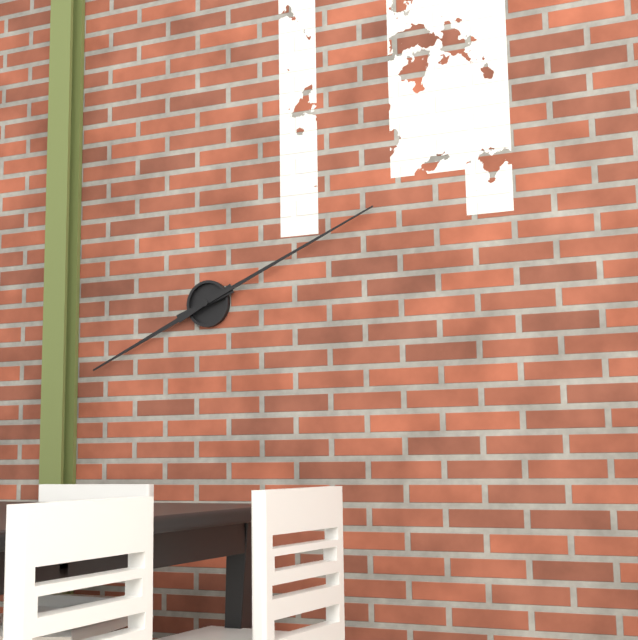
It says 8h11
